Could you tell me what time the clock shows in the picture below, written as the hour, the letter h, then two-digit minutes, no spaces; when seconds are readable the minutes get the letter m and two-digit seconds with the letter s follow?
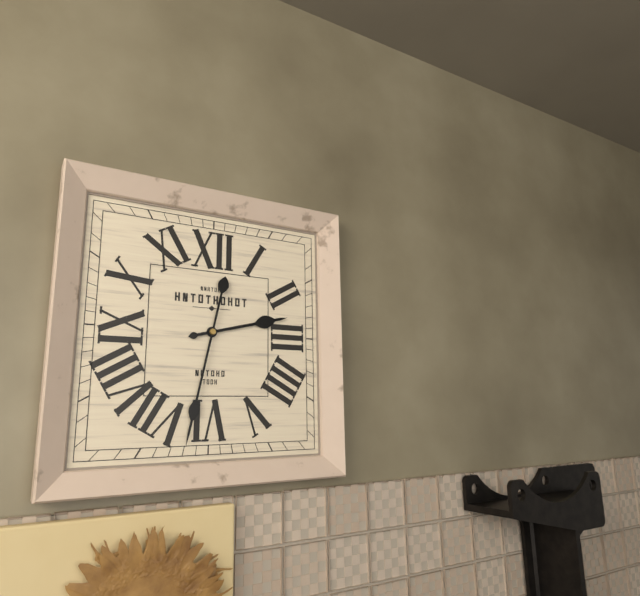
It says 2h32
